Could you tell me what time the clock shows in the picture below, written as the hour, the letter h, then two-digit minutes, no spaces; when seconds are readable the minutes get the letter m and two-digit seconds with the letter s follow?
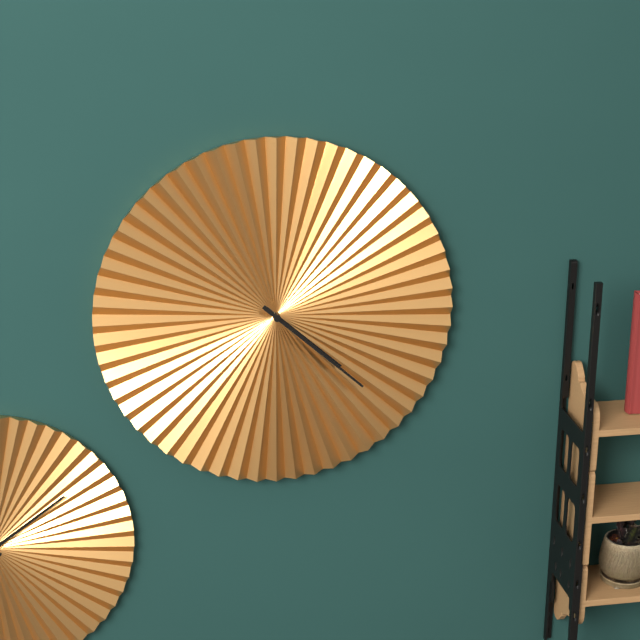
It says 4h22
